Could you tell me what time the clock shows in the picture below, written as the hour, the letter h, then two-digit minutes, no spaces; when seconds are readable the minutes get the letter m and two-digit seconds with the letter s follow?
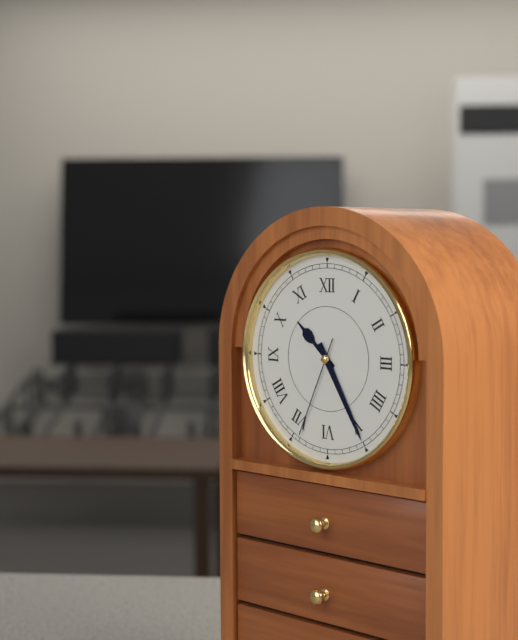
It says 10h25m34s
